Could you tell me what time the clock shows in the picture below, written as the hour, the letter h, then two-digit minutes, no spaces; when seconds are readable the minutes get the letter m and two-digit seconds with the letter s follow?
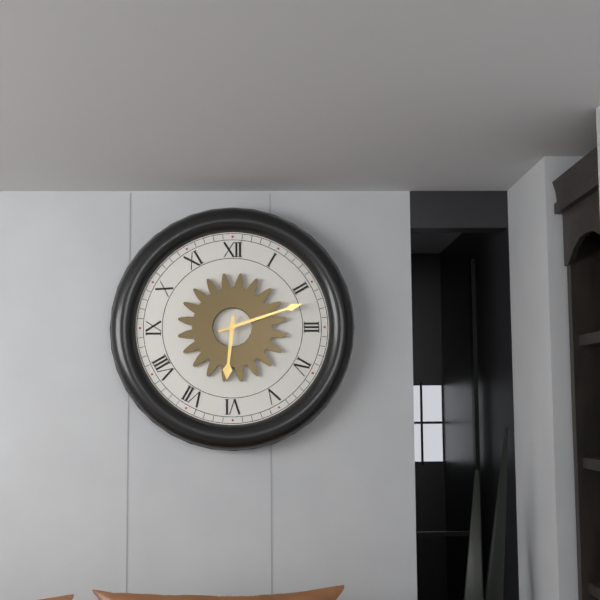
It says 6h12
